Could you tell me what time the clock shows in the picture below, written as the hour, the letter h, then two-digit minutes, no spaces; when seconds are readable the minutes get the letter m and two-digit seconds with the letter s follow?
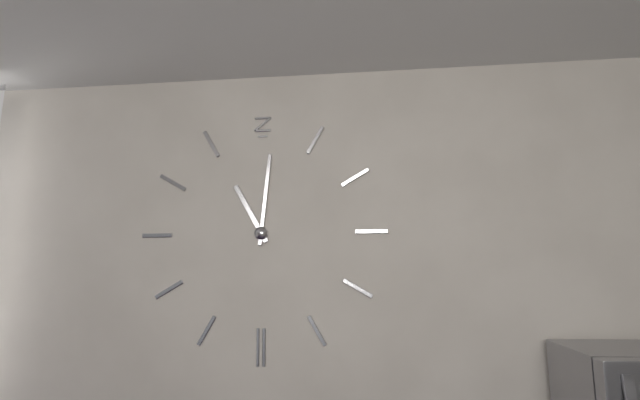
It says 11h01
